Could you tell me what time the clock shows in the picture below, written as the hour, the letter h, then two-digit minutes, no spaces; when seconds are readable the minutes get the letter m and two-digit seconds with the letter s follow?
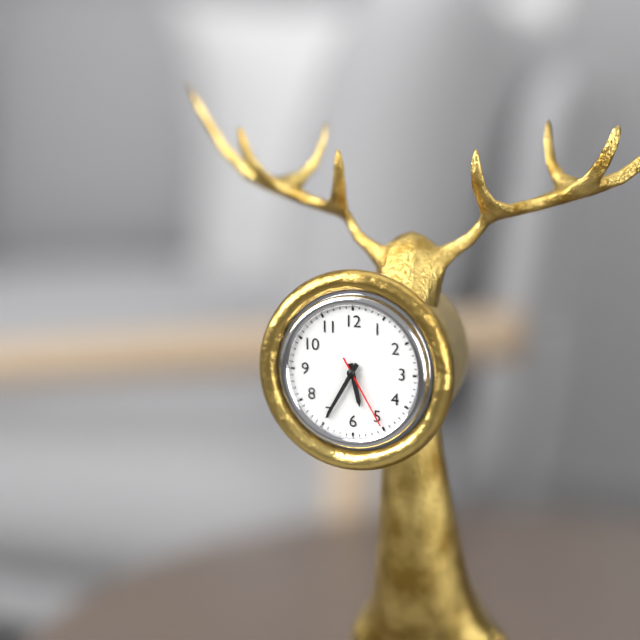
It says 5h35m25s
